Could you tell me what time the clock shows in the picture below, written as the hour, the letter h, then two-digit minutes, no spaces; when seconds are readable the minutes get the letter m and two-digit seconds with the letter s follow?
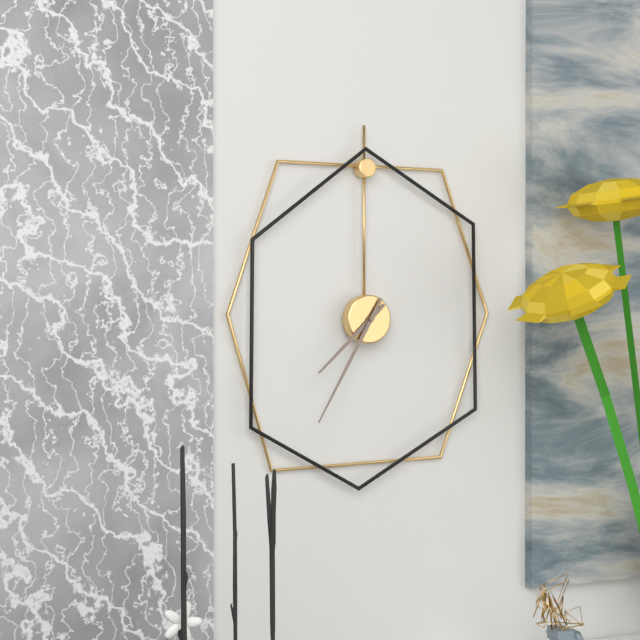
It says 7h35
